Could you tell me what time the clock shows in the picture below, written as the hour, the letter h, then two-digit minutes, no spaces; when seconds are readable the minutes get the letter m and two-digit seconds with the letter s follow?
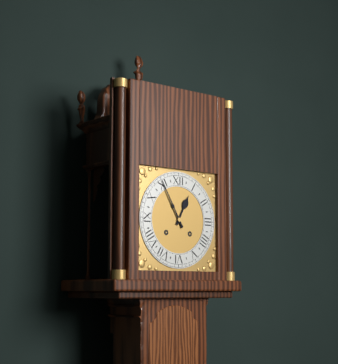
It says 12h55
